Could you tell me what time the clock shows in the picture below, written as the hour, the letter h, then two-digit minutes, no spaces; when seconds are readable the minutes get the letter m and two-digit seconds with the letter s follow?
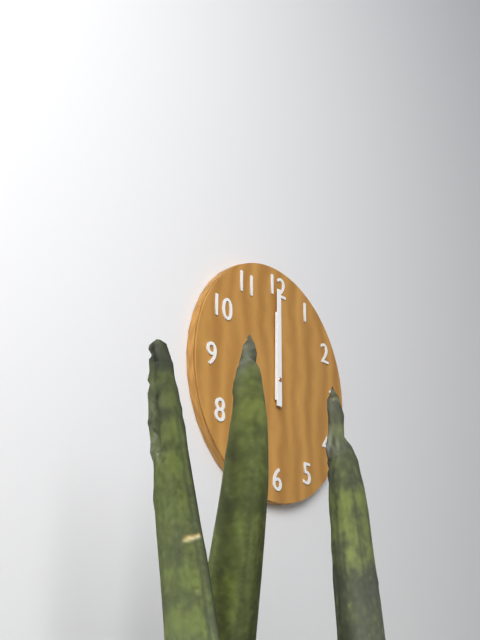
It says 12h00
